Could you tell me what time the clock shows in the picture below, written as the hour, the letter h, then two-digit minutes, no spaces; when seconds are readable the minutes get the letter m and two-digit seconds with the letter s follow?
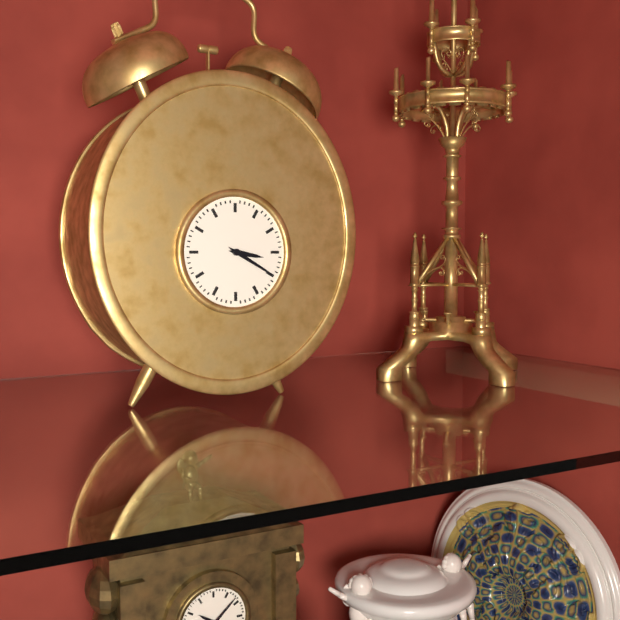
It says 3h20
